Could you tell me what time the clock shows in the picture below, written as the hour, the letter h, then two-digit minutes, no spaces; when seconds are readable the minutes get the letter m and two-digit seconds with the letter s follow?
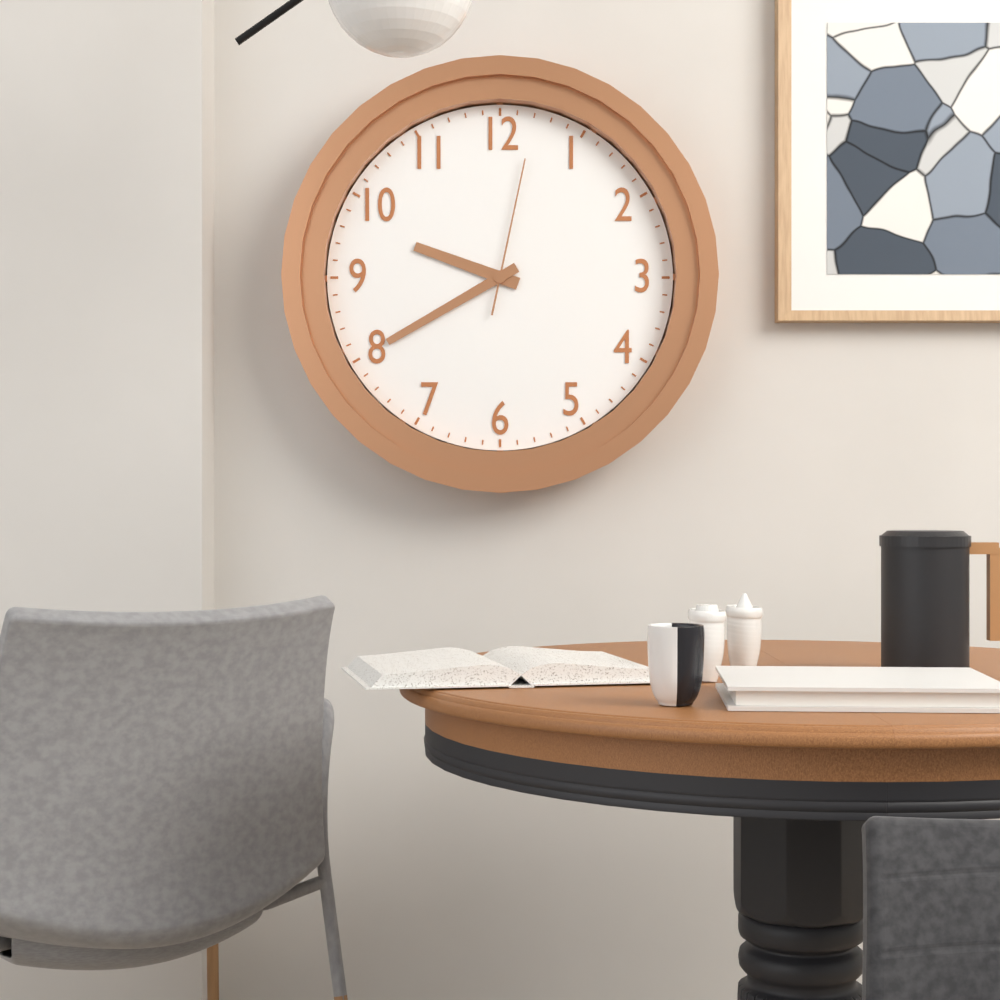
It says 9h40m02s
